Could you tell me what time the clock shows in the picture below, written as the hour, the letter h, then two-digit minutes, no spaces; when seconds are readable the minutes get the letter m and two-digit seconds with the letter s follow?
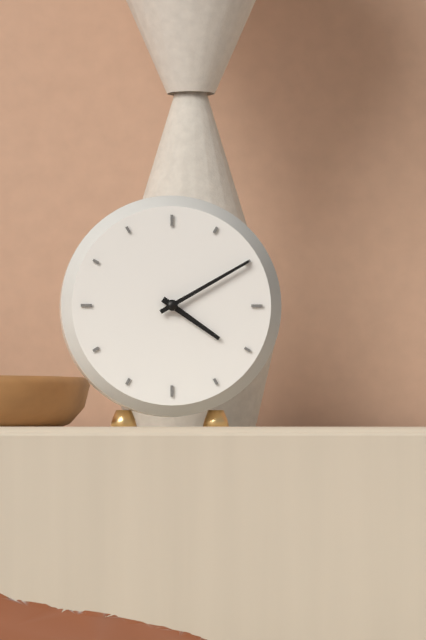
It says 4h10
